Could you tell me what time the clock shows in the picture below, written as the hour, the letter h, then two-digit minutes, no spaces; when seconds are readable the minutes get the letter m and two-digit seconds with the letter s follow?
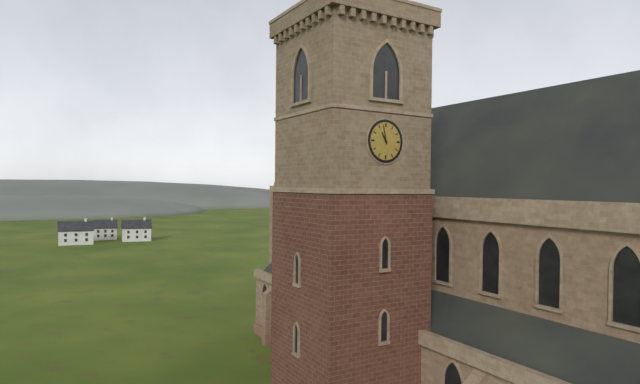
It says 10h58
